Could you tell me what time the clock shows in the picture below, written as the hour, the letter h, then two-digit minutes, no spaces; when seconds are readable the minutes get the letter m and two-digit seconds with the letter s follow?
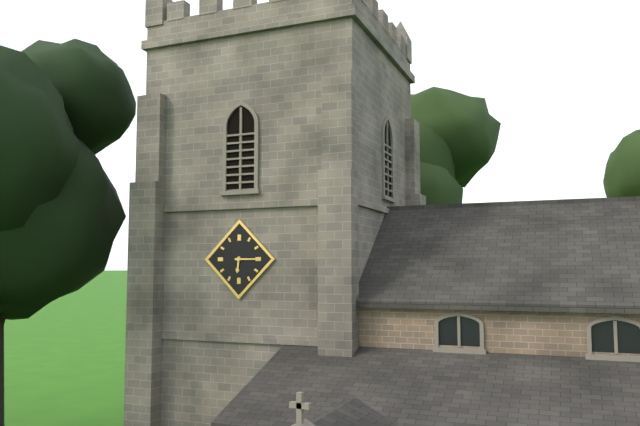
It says 6h15
